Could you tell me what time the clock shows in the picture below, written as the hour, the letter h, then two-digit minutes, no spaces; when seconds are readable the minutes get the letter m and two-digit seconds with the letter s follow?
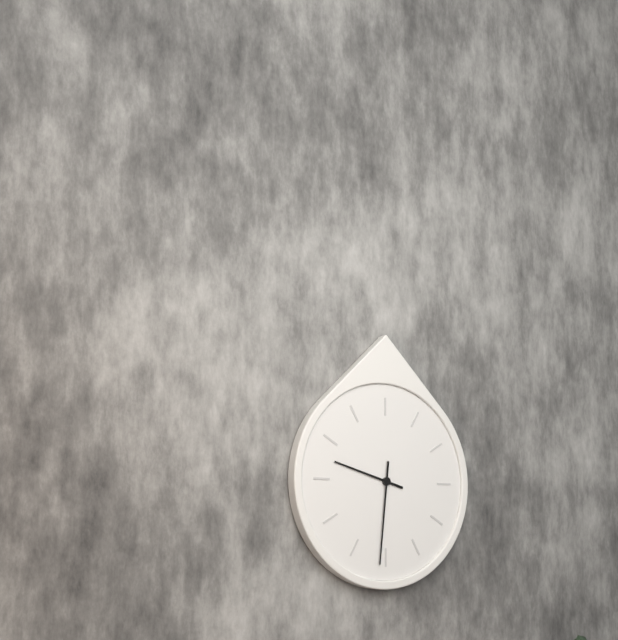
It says 9h31
